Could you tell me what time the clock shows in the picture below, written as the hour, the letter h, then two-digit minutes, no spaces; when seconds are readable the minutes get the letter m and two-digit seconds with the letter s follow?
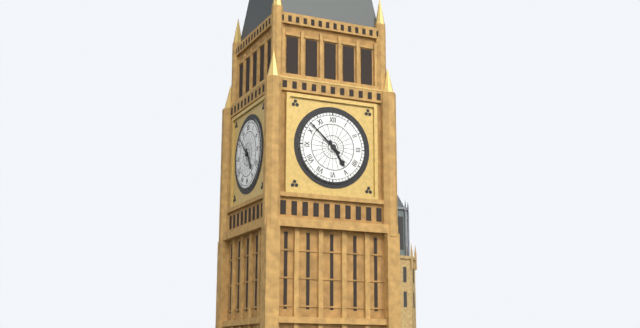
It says 4h52
